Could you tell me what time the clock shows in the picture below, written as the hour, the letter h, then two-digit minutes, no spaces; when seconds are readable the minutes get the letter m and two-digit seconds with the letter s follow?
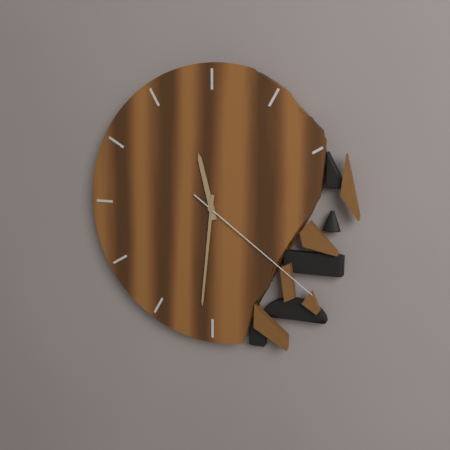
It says 11h31m21s
